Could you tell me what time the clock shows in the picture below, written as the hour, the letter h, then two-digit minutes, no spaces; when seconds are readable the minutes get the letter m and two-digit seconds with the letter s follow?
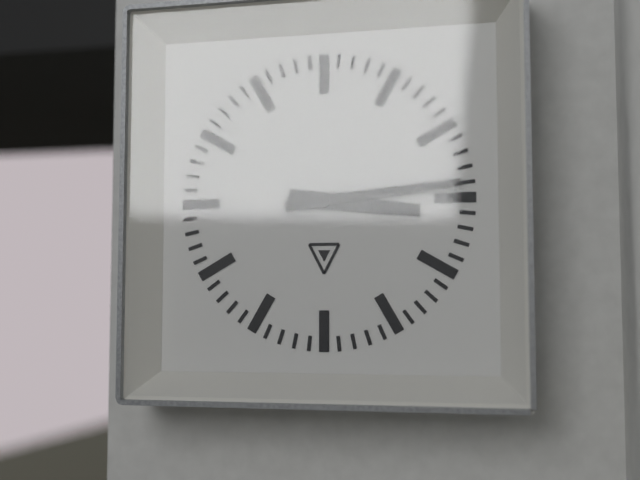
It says 3h14
